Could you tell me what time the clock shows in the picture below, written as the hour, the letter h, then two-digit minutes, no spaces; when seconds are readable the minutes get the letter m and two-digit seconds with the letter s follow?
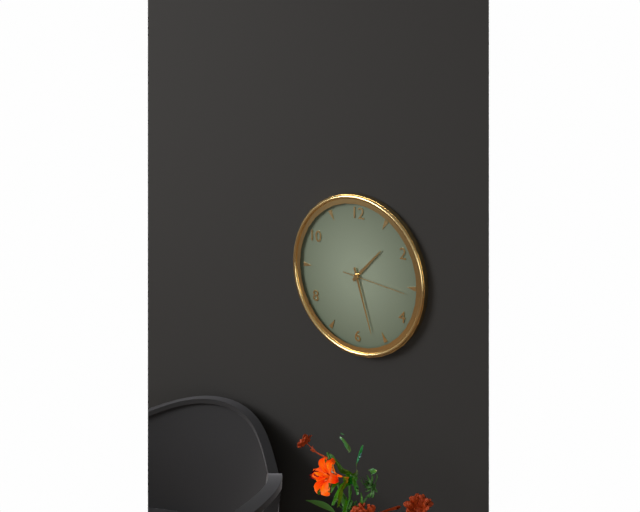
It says 1h27m16s
